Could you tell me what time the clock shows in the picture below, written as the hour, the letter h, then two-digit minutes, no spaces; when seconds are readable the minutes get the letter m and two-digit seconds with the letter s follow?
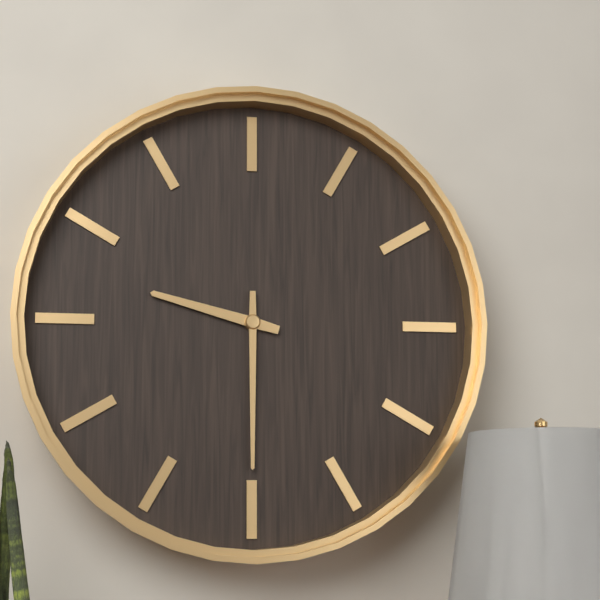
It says 9h30
